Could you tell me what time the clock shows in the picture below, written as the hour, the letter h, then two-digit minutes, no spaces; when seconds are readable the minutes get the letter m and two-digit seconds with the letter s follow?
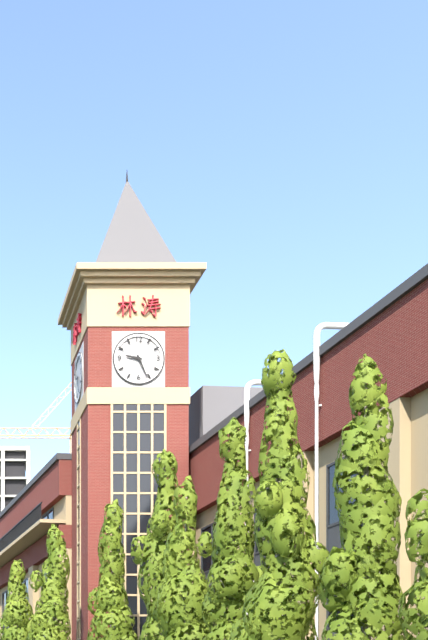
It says 9h26
